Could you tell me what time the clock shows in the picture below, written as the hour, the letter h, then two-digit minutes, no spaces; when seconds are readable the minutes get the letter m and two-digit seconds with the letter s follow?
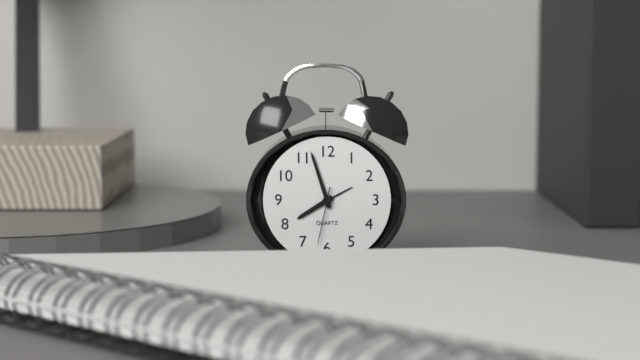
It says 7h57m32s
